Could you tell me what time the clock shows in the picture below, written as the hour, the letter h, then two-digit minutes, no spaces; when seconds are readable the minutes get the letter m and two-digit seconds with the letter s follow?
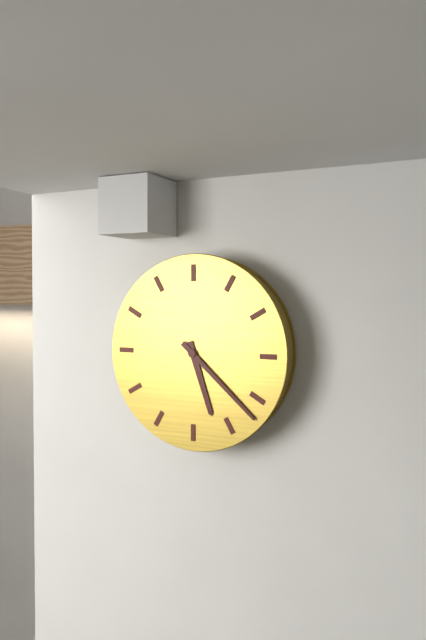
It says 5h22
